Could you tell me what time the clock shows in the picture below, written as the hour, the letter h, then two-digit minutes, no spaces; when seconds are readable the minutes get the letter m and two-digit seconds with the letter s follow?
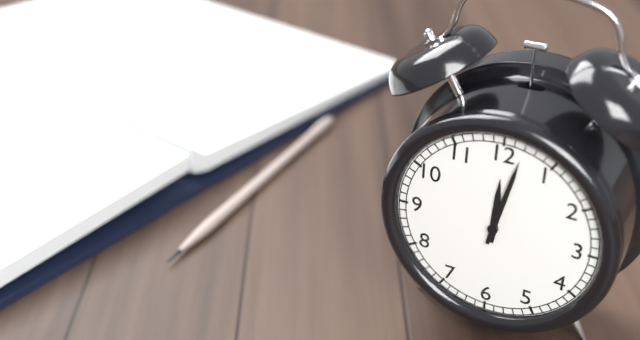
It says 12h02
